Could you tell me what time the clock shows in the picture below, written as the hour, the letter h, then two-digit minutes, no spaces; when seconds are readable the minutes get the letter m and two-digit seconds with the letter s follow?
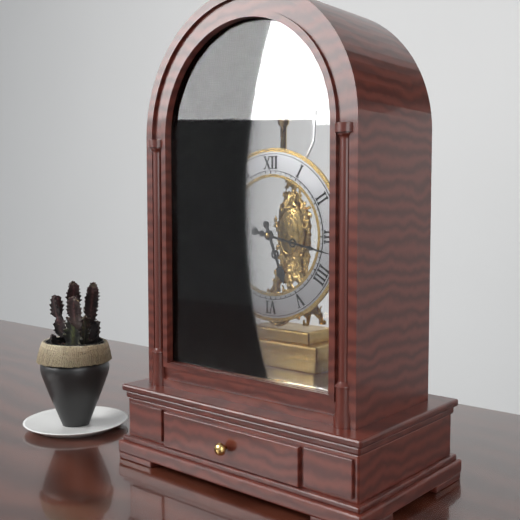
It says 5h17
